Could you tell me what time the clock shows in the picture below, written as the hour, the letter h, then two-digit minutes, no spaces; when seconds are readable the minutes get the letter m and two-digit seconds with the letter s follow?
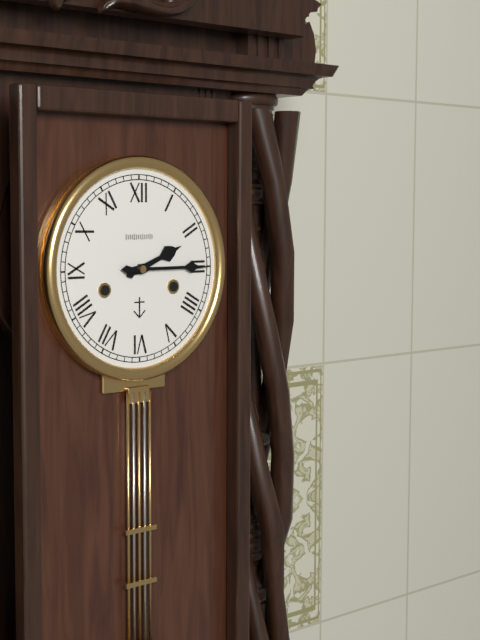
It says 2h15
